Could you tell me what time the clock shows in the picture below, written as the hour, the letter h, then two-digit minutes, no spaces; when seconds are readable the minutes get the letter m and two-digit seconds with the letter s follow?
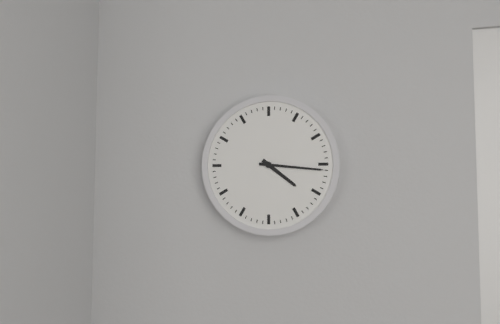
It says 4h16
